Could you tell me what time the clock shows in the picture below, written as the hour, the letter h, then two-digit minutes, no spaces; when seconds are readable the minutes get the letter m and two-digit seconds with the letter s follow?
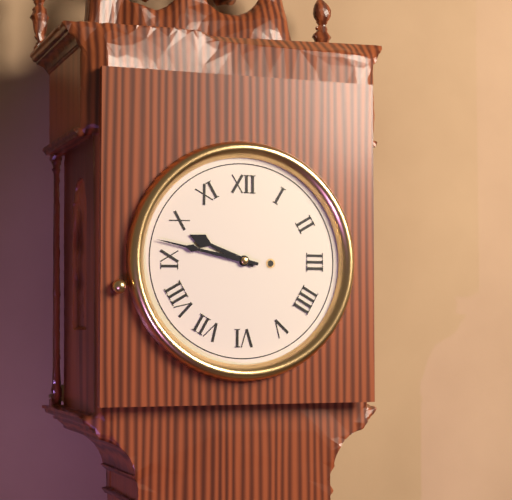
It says 9h47
